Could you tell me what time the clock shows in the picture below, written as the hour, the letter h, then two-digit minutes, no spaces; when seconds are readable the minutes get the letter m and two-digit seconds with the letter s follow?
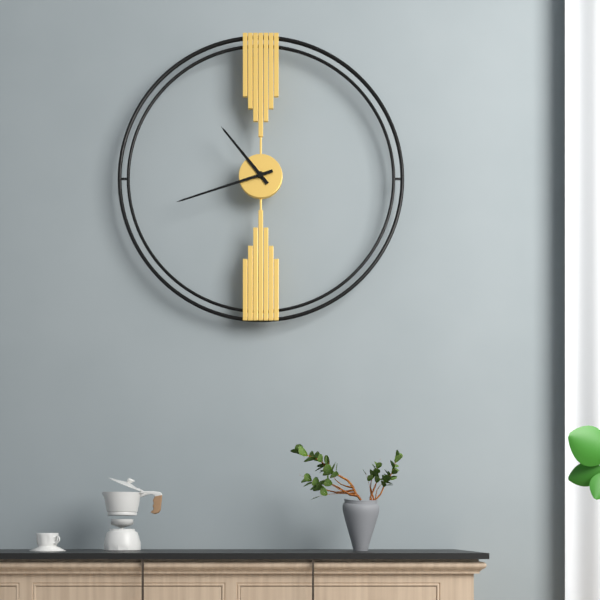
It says 10h42
